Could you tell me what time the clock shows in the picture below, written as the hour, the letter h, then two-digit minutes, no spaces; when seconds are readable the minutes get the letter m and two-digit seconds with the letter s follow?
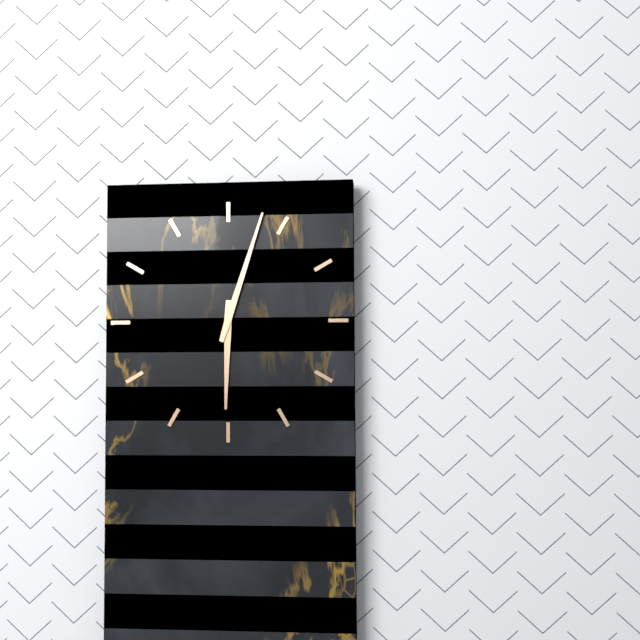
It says 6h03
